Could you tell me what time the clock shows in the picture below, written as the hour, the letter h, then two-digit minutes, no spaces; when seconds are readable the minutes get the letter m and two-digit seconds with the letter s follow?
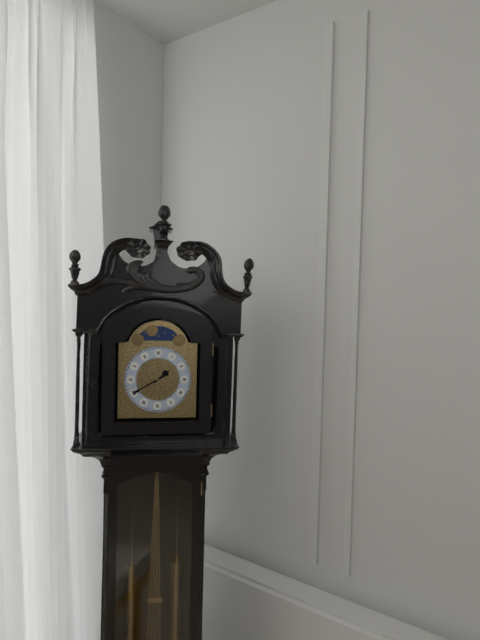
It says 1h40
